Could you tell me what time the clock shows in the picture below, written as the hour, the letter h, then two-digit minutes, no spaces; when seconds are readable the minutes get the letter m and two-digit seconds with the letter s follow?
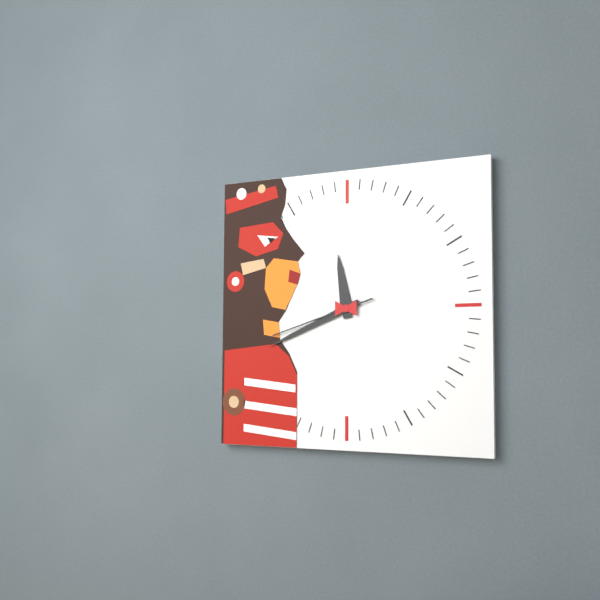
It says 11h41m42s
